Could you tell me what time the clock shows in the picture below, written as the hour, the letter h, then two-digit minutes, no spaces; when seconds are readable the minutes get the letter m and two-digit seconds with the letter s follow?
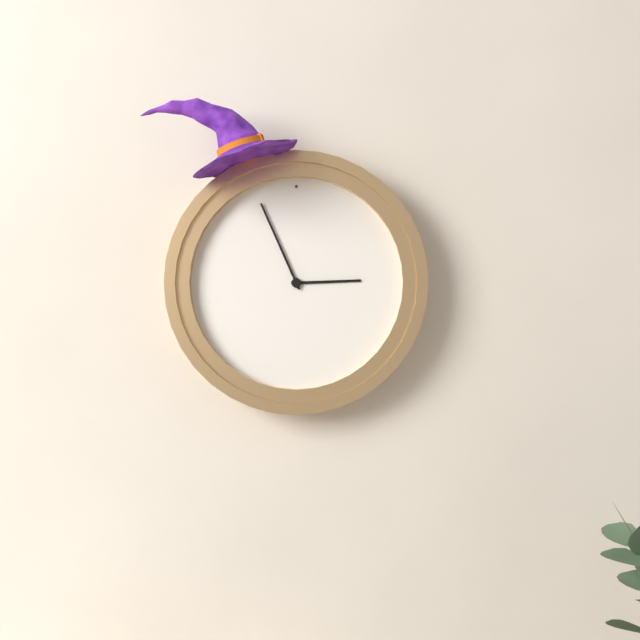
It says 2h56
